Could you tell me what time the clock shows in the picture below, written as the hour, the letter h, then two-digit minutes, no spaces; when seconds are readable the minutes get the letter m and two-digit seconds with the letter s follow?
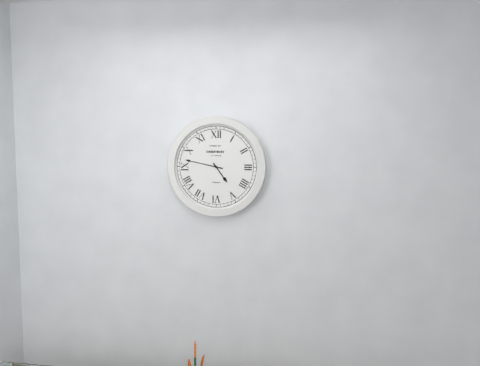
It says 4h47
